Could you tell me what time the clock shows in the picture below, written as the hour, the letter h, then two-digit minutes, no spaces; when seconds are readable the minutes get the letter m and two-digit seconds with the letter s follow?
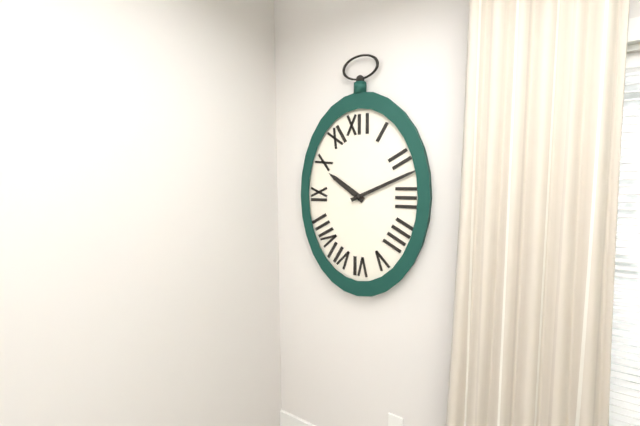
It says 10h11
